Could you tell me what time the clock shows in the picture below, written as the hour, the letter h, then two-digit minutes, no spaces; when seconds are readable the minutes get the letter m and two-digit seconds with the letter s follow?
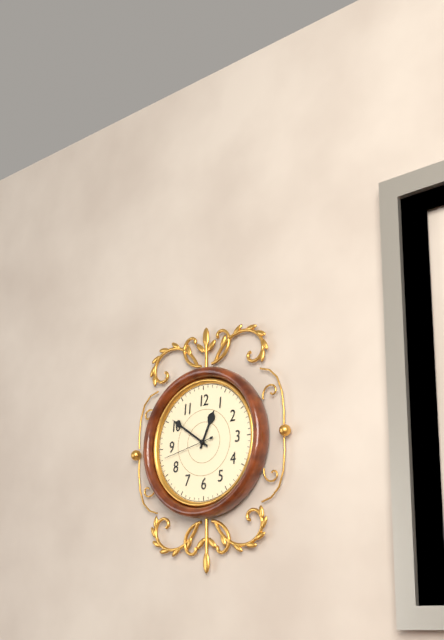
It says 12h51m43s
